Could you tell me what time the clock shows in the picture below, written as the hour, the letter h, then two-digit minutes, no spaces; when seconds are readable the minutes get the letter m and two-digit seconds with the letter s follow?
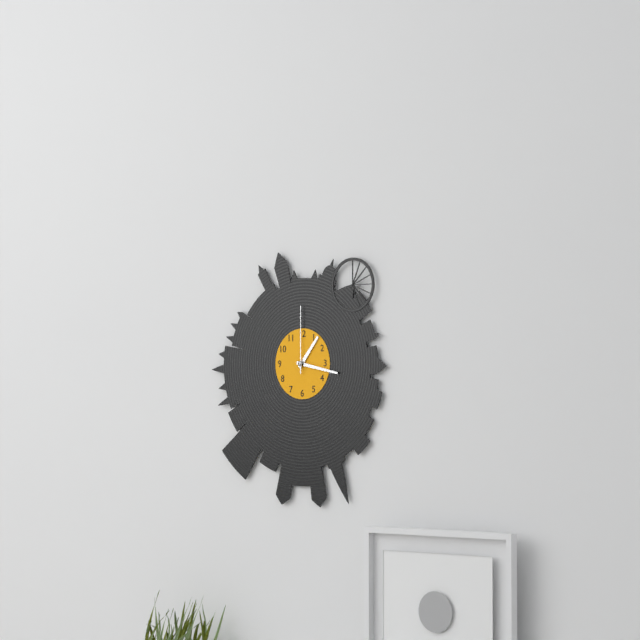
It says 1h17m00s
